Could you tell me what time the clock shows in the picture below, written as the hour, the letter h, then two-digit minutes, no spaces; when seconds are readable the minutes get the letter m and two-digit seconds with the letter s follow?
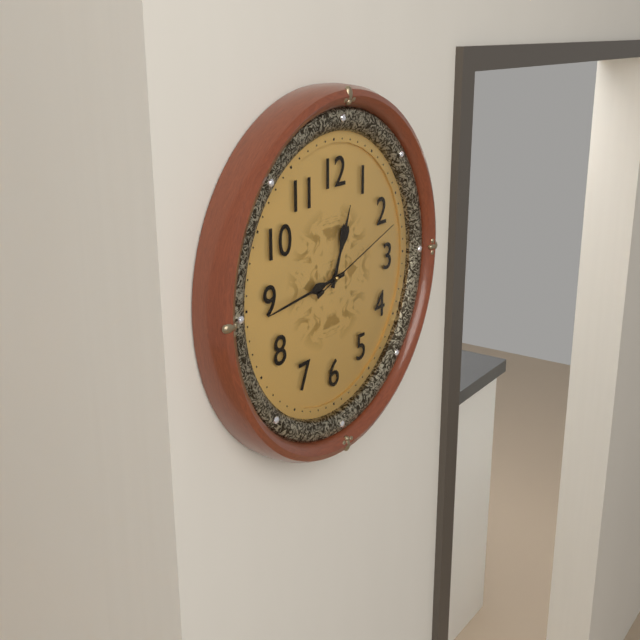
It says 12h44m12s
